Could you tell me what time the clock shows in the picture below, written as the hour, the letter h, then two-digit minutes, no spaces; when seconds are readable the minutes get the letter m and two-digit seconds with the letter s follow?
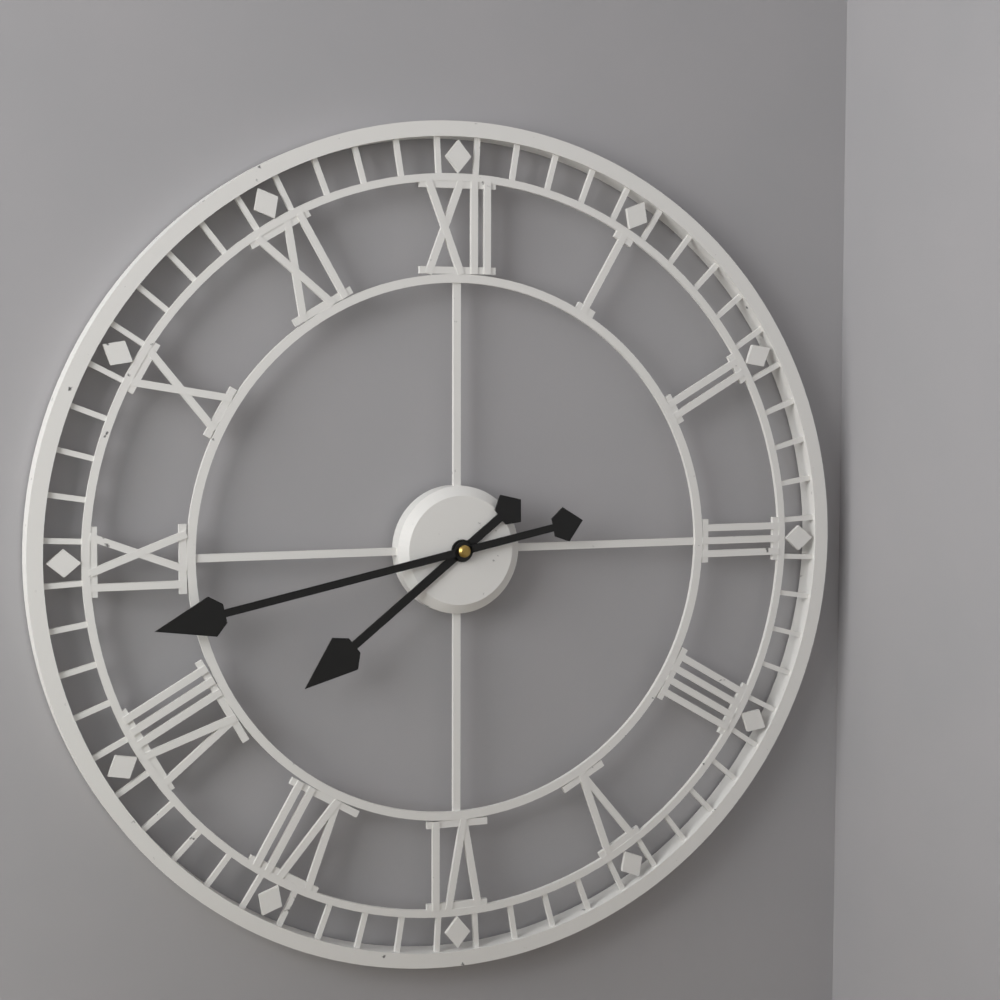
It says 7h43
